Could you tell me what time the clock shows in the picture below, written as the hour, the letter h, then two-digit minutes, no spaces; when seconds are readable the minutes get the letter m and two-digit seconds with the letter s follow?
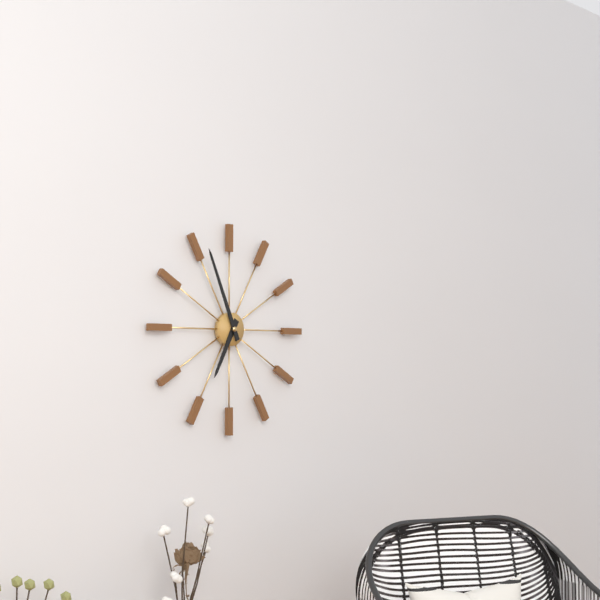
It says 6h56
